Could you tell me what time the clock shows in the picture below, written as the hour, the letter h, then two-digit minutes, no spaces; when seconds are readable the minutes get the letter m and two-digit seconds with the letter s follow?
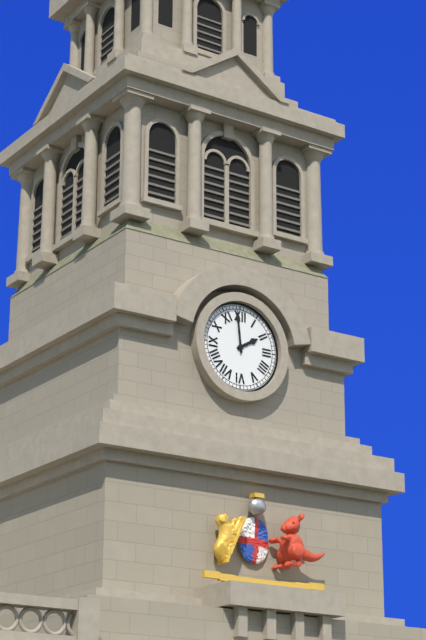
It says 1h59
